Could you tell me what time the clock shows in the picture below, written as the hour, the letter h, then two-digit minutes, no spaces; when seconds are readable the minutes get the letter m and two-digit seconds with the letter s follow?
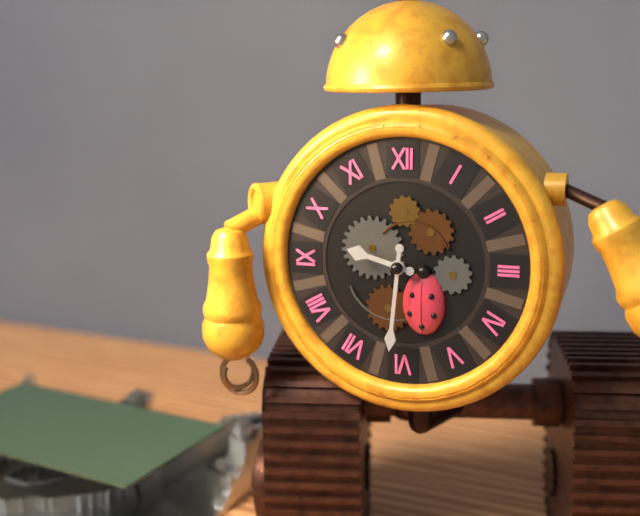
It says 9h31
